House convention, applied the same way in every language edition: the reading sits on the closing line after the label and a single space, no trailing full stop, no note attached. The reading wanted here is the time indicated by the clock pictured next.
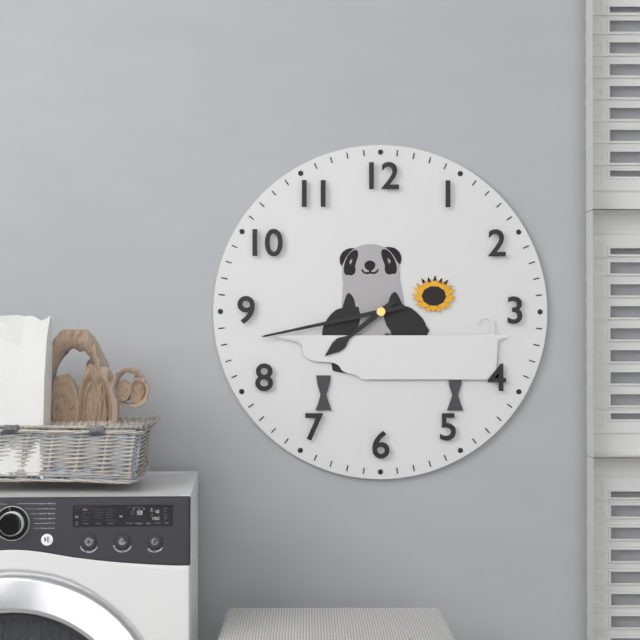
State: 7:43
